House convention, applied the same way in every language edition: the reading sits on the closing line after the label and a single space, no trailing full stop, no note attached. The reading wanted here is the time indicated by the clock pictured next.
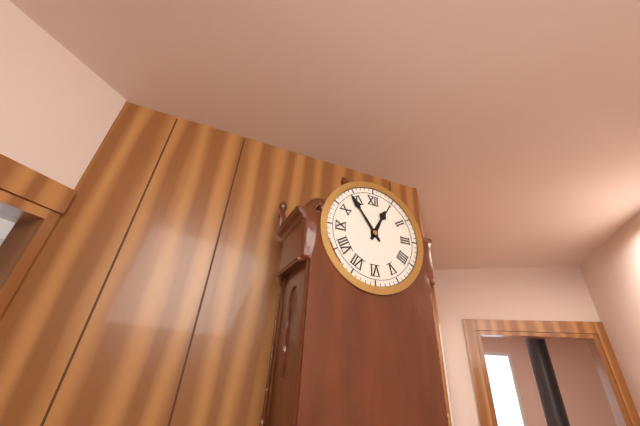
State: 12:54
